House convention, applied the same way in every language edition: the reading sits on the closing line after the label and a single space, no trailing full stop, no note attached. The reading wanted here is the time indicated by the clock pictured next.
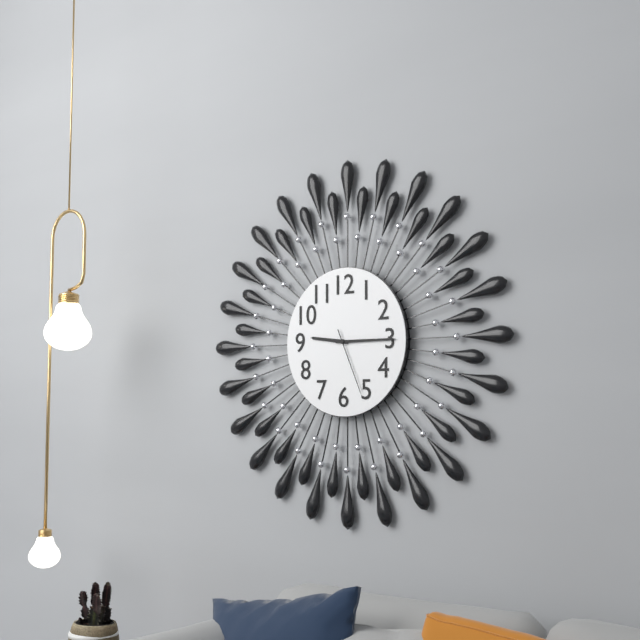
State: 9:15:26
